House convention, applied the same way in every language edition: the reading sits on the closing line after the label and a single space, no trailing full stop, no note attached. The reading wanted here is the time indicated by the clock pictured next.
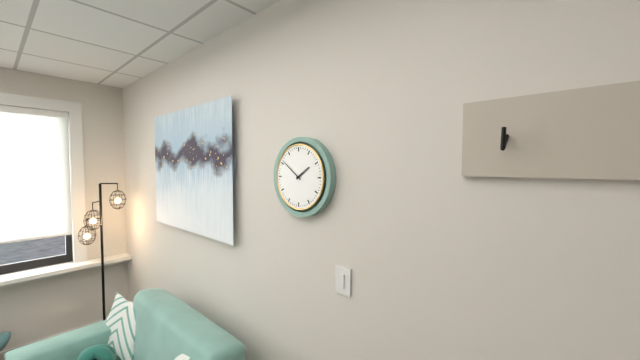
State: 1:51
